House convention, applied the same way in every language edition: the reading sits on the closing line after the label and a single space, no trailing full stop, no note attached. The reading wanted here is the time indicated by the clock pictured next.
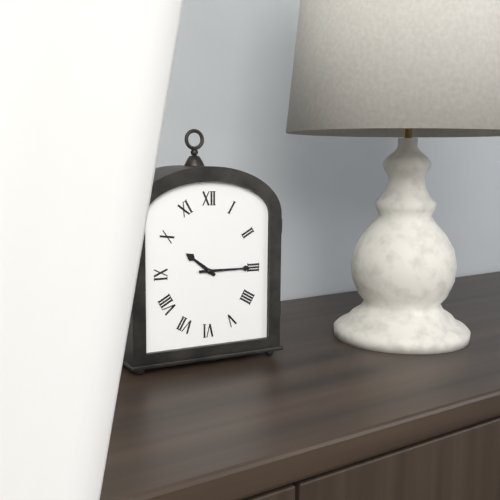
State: 10:15
